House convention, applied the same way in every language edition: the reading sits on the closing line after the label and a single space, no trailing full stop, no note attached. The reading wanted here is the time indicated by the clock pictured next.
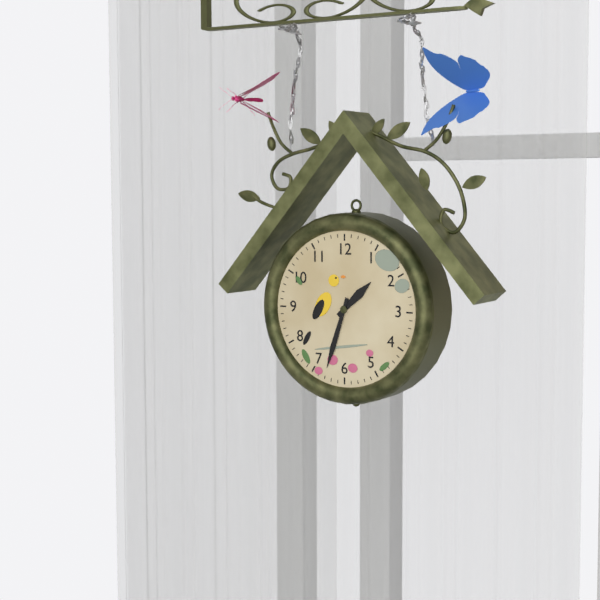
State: 1:33
